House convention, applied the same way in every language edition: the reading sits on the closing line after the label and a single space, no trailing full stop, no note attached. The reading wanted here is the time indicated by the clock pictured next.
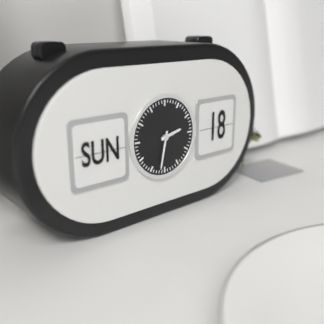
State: 2:32
